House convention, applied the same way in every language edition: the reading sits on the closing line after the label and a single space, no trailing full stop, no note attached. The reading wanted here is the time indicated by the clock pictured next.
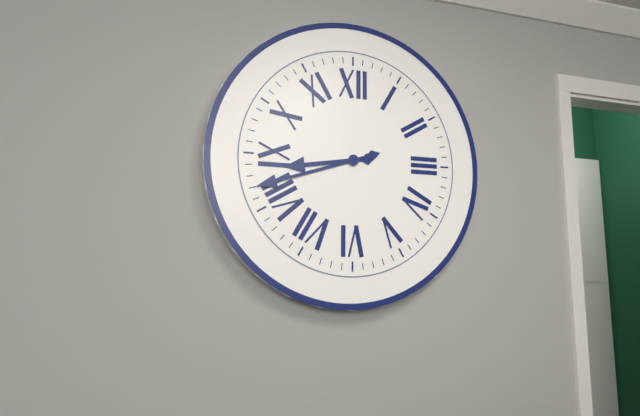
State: 8:42
